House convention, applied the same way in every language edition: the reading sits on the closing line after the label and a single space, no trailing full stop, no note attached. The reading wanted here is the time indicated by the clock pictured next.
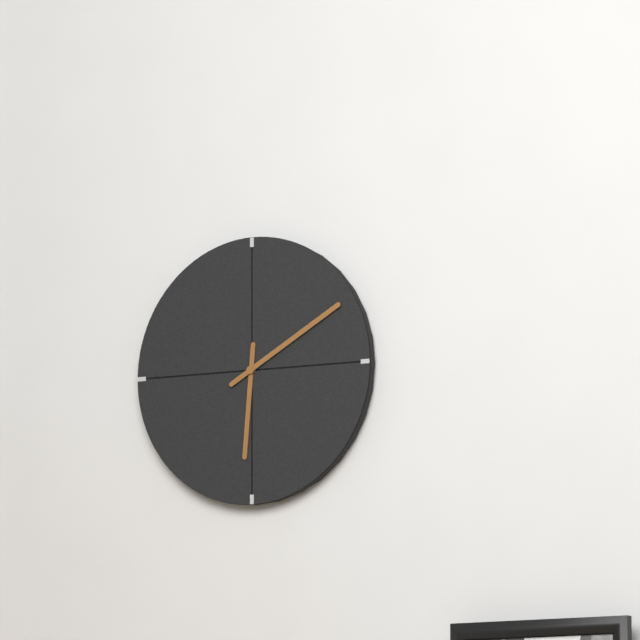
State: 6:10
